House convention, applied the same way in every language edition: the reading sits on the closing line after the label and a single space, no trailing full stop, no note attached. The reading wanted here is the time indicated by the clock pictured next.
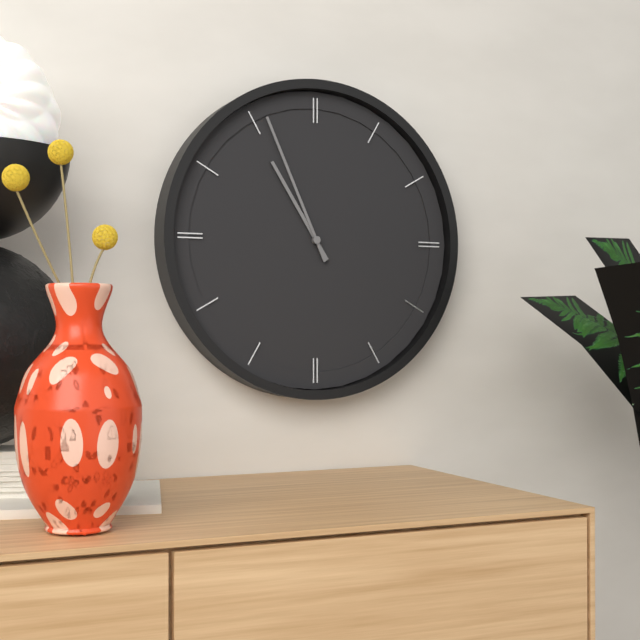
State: 10:56
